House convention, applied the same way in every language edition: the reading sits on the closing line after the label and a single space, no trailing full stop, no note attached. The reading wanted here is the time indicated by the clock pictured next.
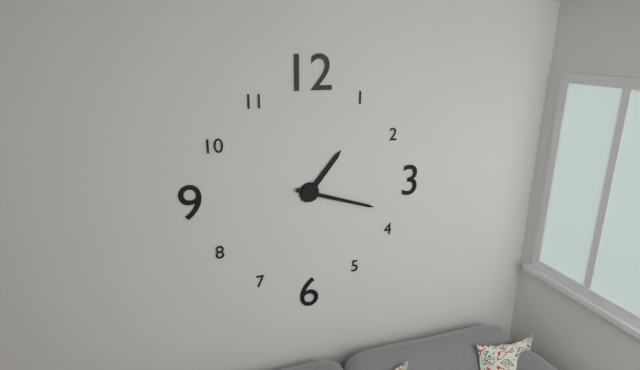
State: 1:18
